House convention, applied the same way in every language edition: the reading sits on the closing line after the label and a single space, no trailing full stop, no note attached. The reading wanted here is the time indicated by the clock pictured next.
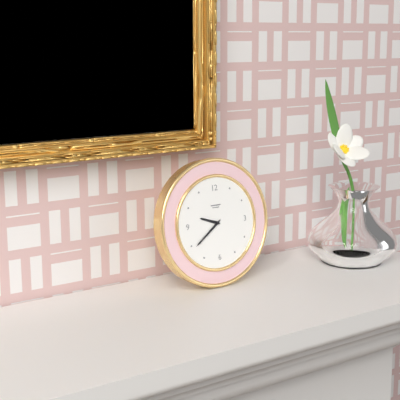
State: 9:39
